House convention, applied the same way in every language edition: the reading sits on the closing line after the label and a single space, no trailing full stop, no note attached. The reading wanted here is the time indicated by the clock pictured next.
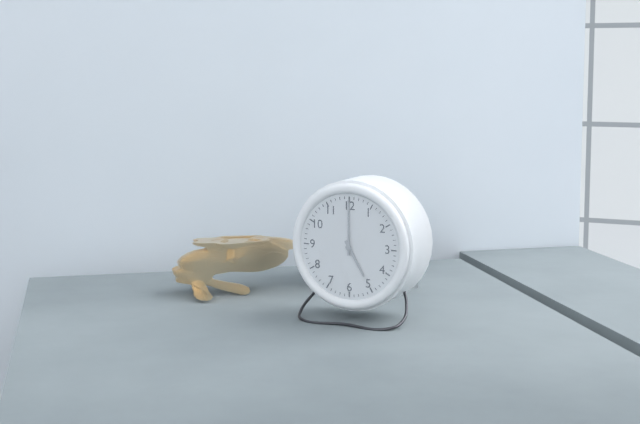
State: 5:00
